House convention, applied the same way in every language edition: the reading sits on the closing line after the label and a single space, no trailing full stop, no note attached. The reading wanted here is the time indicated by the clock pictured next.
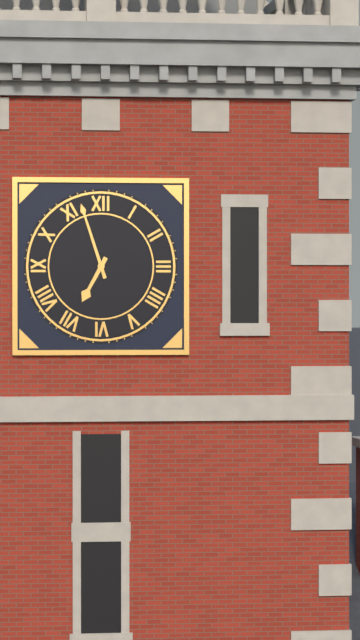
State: 6:57
